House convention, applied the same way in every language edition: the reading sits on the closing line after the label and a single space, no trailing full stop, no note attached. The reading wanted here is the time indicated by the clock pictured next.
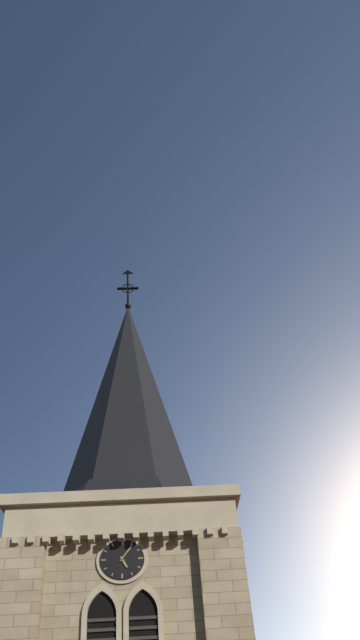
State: 5:06
